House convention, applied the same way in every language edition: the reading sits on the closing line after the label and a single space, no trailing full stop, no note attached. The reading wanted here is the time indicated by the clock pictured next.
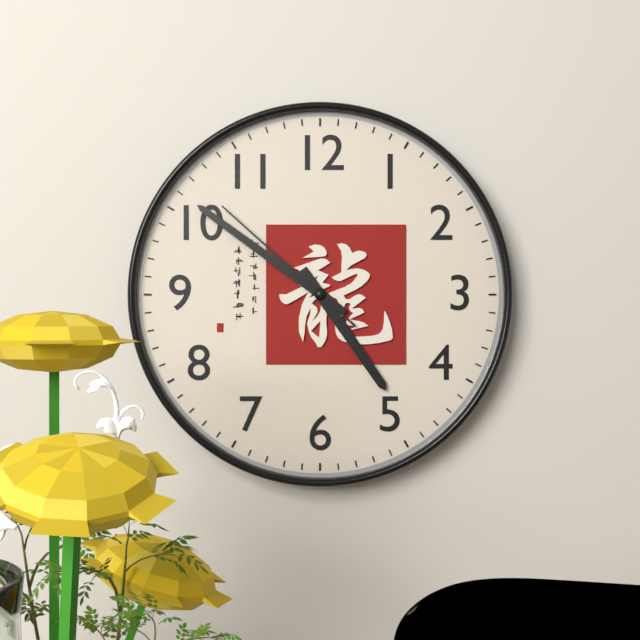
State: 4:51:52
